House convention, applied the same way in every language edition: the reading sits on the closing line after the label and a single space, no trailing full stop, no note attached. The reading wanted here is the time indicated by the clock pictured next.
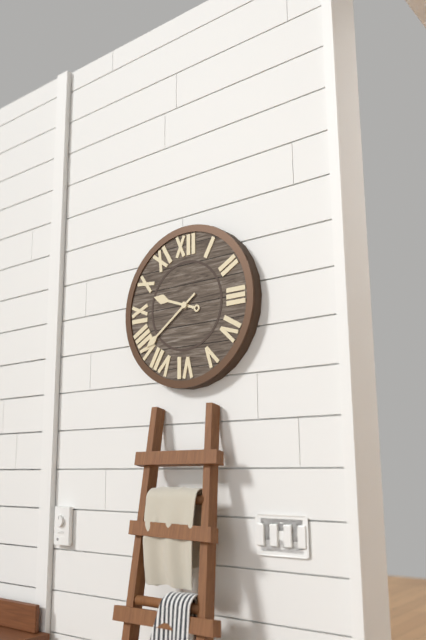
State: 9:39
